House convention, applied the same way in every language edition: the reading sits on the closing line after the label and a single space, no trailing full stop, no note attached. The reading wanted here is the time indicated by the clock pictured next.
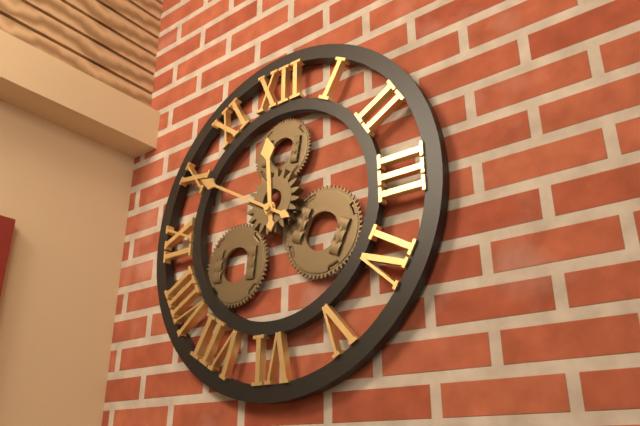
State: 11:50
